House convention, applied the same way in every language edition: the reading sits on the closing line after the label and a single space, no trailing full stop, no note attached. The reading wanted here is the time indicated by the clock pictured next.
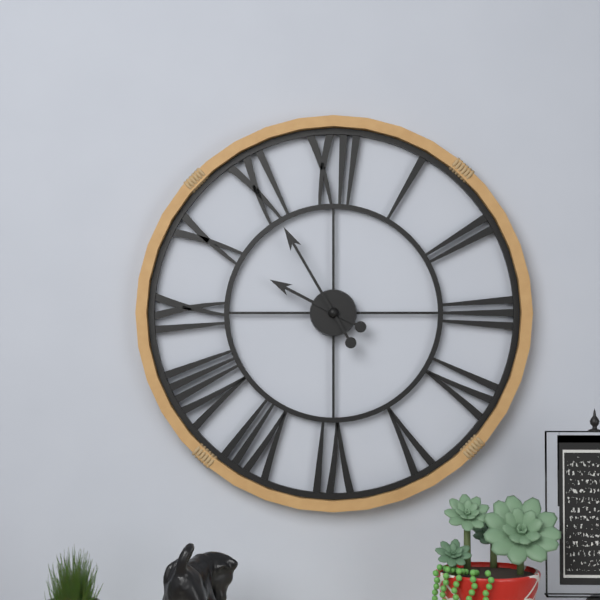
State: 9:55
